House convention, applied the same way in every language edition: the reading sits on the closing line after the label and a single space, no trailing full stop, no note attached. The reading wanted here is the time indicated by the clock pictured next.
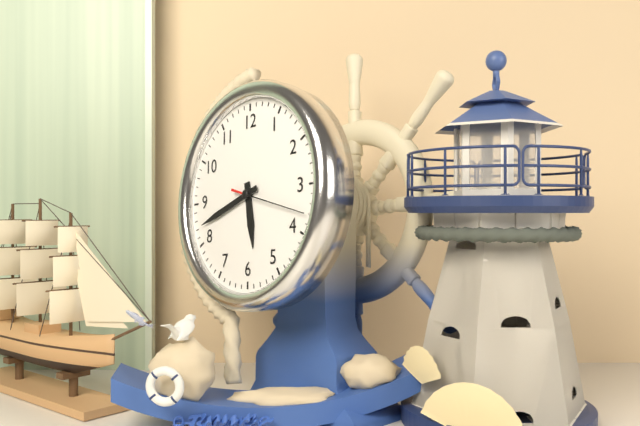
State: 5:42:18
